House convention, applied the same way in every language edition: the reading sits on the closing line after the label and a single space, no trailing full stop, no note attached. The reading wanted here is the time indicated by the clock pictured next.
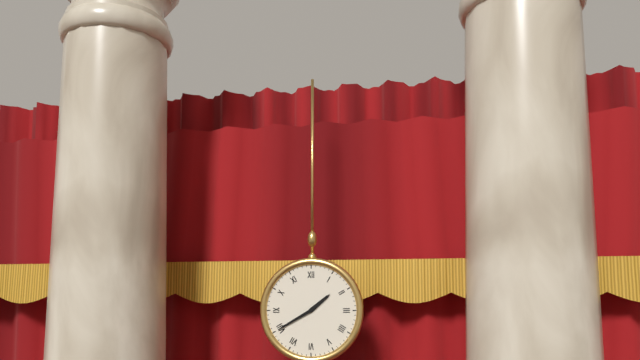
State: 1:40
